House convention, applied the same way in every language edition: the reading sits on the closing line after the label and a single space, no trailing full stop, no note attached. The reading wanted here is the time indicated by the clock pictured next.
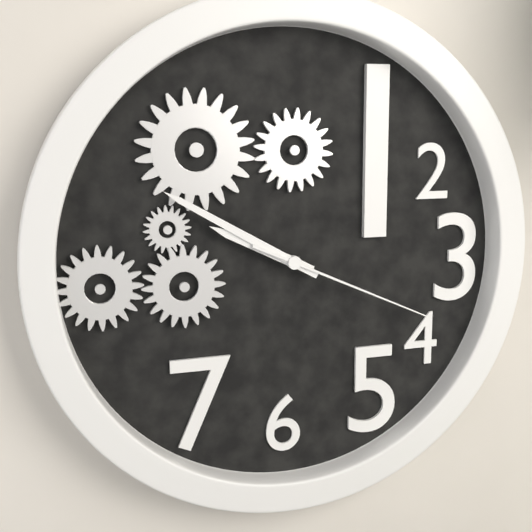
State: 9:50:19
